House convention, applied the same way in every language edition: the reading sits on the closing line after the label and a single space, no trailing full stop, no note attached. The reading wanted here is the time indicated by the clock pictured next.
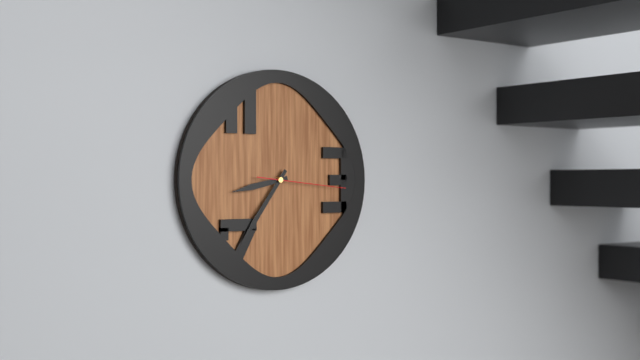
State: 8:36:16
